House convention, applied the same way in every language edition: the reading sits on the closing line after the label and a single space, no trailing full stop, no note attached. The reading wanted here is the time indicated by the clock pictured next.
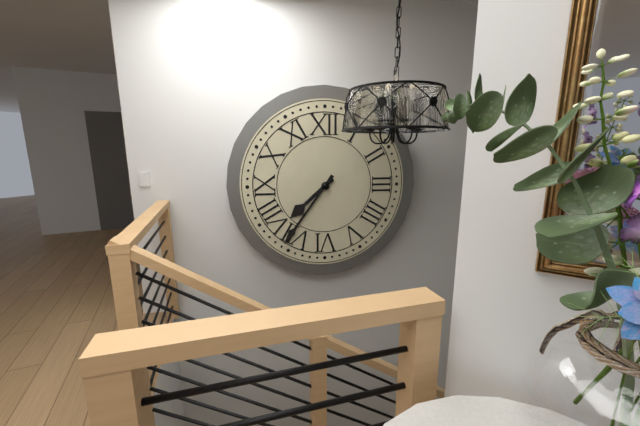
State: 7:36
